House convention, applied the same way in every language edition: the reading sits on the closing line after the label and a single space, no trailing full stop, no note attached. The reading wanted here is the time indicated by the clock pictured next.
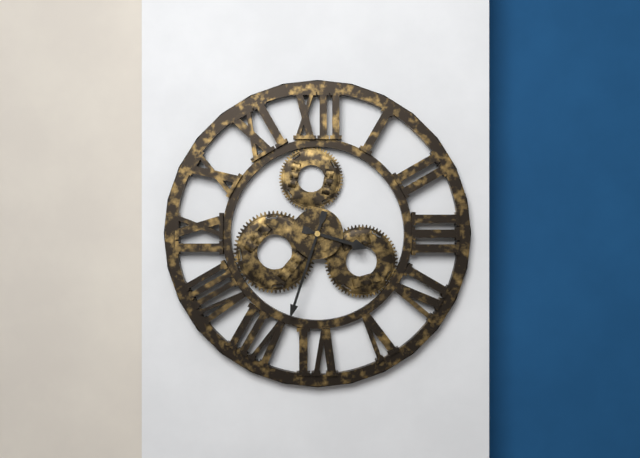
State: 3:33
